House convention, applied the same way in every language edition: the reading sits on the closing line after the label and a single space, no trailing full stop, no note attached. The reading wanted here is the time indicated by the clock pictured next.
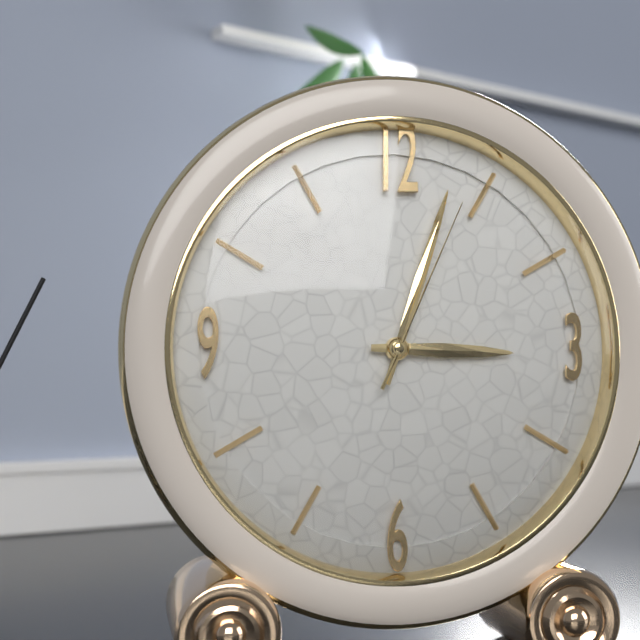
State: 3:03:04
